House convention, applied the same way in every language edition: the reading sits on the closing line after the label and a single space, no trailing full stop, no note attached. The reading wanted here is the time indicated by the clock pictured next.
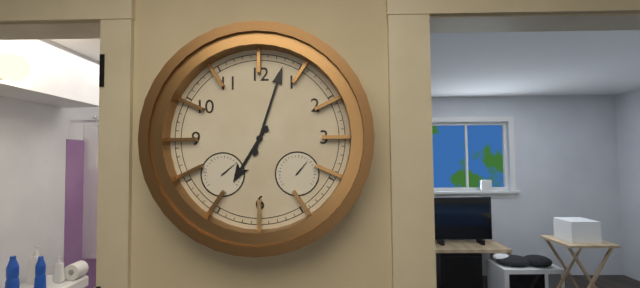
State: 7:03
